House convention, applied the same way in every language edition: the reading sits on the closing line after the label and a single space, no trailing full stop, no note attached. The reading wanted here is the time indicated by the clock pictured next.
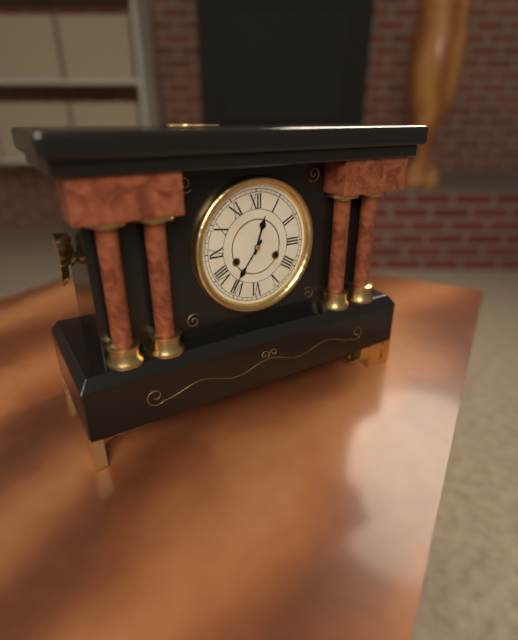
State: 12:36
